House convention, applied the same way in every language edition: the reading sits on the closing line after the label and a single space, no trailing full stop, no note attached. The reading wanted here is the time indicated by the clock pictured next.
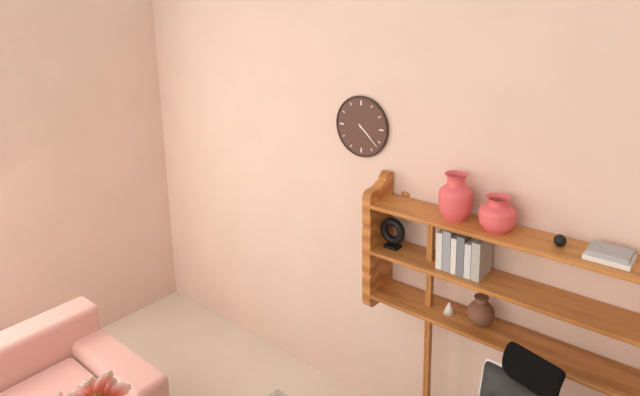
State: 4:22
